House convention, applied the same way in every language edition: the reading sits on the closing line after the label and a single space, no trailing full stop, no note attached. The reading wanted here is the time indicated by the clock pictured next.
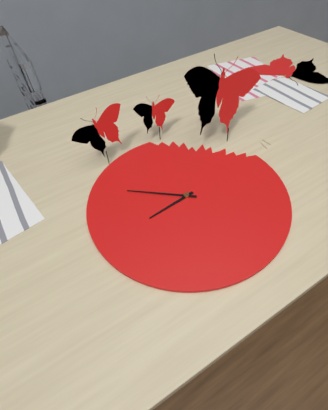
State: 8:52
